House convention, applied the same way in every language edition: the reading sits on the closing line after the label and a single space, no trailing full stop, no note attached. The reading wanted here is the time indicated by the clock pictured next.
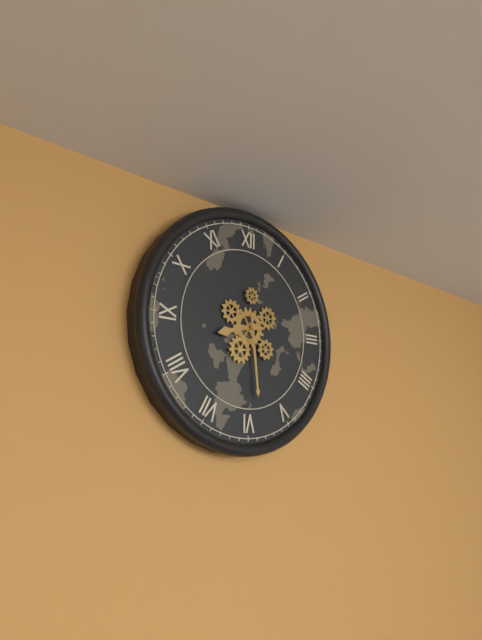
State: 8:29
